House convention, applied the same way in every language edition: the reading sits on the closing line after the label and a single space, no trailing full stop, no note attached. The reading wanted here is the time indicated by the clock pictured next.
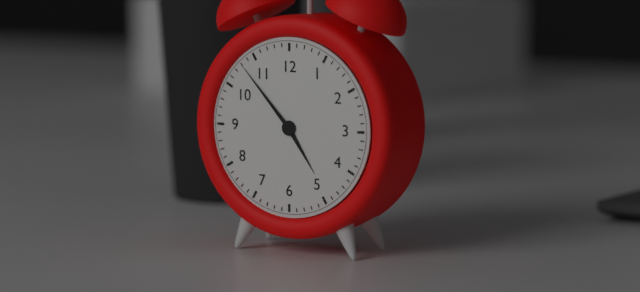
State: 4:53
